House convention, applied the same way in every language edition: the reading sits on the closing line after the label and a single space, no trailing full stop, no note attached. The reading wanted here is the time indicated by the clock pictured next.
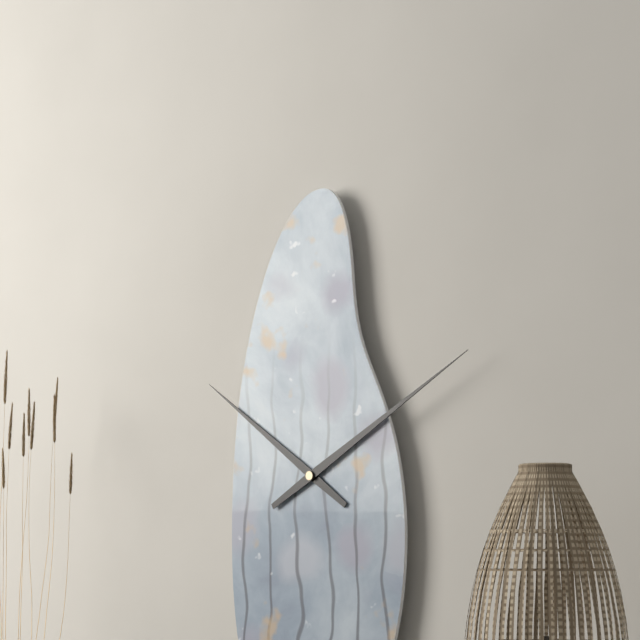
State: 10:10
